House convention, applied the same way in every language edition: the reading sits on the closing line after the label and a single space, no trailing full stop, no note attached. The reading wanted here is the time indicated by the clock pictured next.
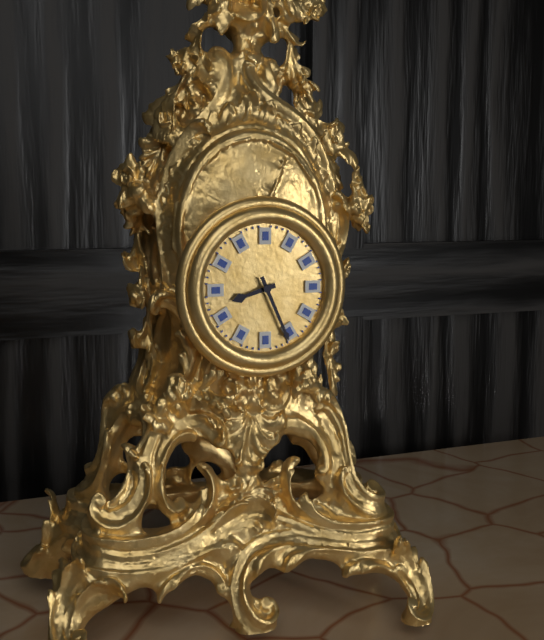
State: 8:26
